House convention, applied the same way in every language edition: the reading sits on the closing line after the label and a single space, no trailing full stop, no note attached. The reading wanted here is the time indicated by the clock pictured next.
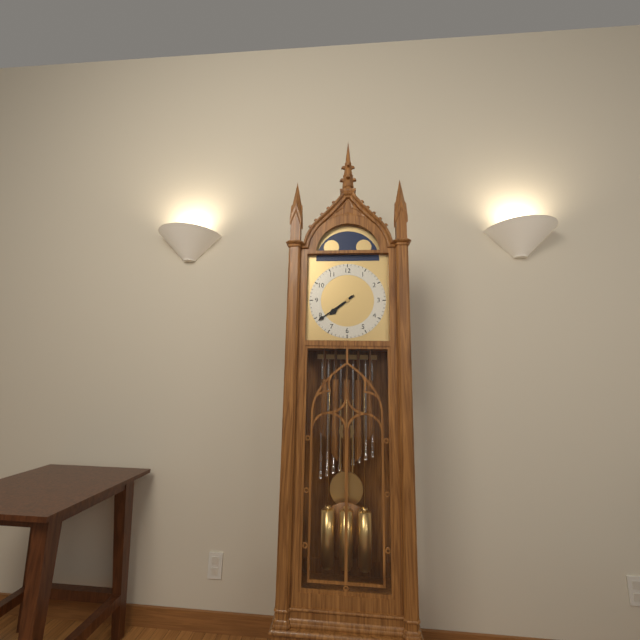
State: 7:39
